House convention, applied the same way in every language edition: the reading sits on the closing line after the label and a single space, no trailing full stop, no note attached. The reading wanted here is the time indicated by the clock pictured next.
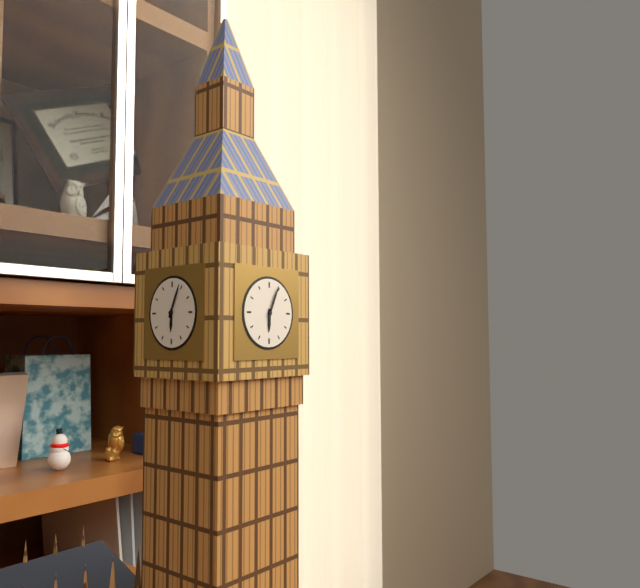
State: 6:04
